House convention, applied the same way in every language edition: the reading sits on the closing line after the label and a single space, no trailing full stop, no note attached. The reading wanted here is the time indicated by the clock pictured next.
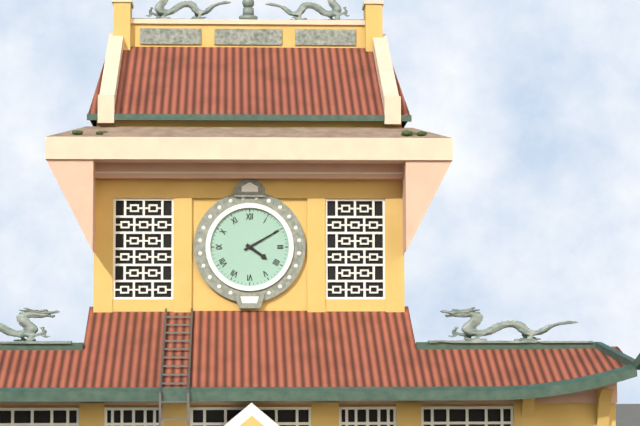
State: 4:10
